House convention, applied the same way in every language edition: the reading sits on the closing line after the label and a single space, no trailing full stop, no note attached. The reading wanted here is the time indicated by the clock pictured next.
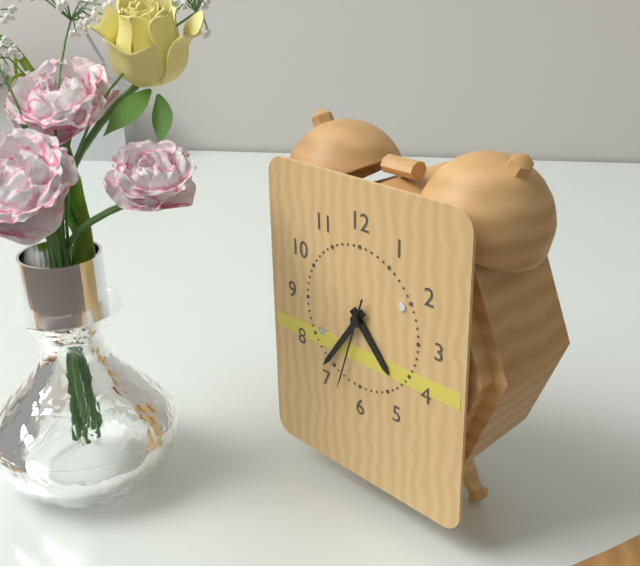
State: 4:36:33
